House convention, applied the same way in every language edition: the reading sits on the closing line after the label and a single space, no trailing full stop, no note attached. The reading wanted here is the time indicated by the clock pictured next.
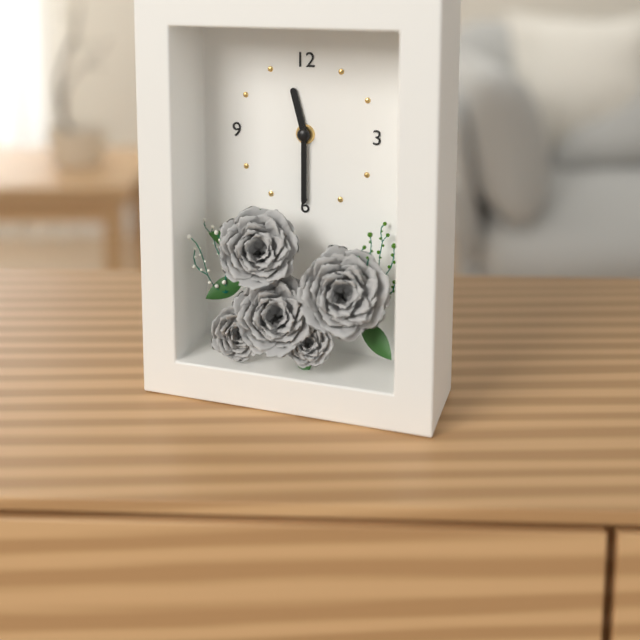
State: 11:30
